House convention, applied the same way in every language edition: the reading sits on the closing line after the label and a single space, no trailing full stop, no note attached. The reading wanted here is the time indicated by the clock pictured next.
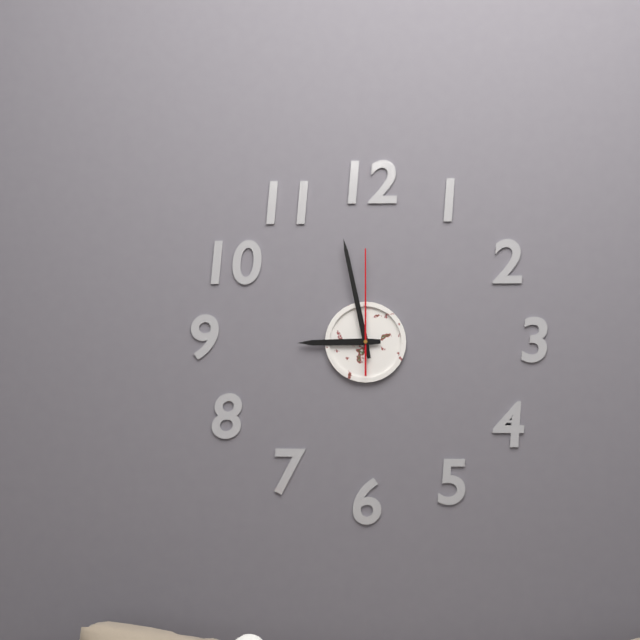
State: 8:58:00
